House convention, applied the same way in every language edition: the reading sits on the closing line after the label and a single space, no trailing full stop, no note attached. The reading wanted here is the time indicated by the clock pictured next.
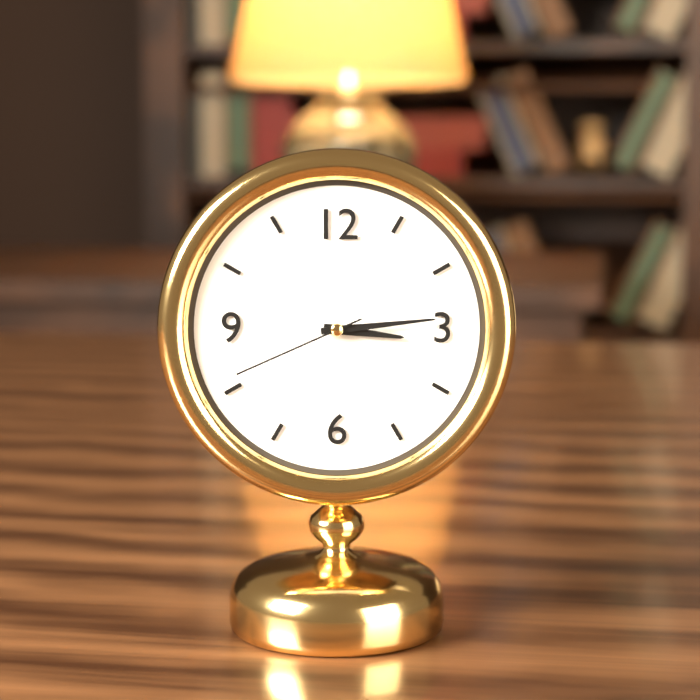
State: 3:14:41
